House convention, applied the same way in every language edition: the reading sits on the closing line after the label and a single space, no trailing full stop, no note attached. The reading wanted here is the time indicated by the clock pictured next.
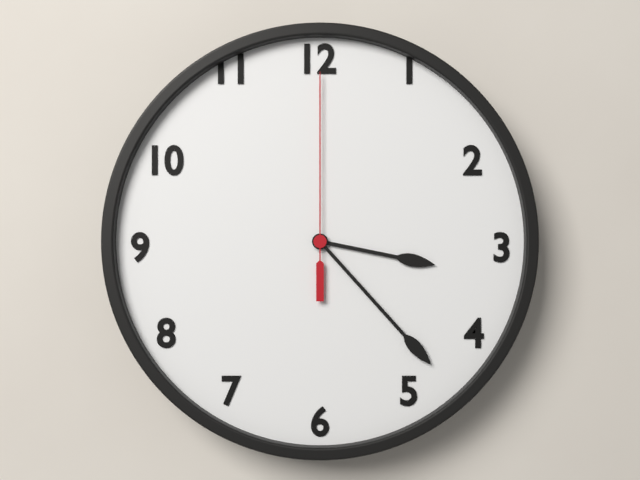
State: 3:23:00
